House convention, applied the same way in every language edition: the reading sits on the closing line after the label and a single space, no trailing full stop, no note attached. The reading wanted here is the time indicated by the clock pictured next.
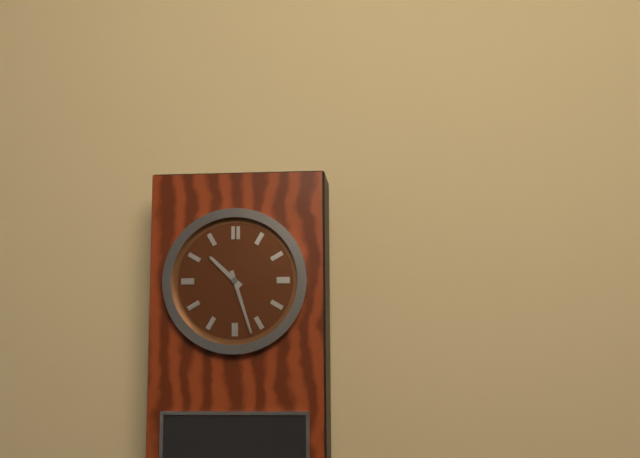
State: 10:27
